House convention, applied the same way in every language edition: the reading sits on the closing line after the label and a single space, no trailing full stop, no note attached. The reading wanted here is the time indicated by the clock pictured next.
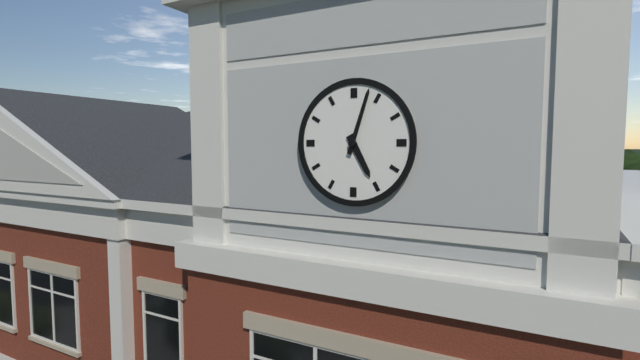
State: 5:03
